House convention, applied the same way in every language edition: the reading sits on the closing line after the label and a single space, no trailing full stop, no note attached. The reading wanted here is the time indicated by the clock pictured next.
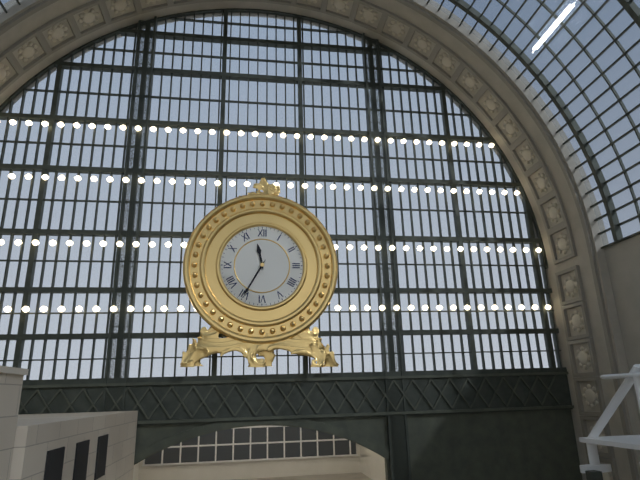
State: 11:35
